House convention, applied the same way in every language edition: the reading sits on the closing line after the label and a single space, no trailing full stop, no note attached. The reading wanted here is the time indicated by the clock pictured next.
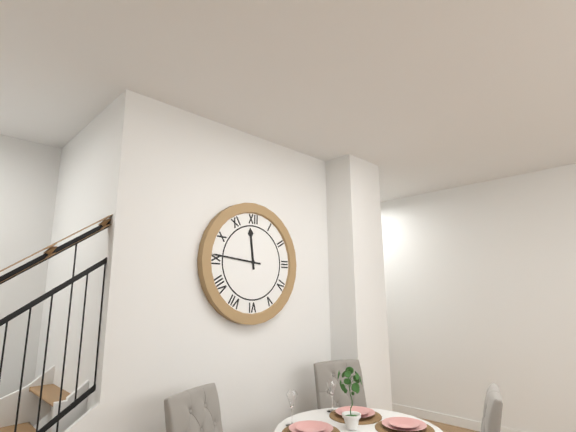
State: 11:46
